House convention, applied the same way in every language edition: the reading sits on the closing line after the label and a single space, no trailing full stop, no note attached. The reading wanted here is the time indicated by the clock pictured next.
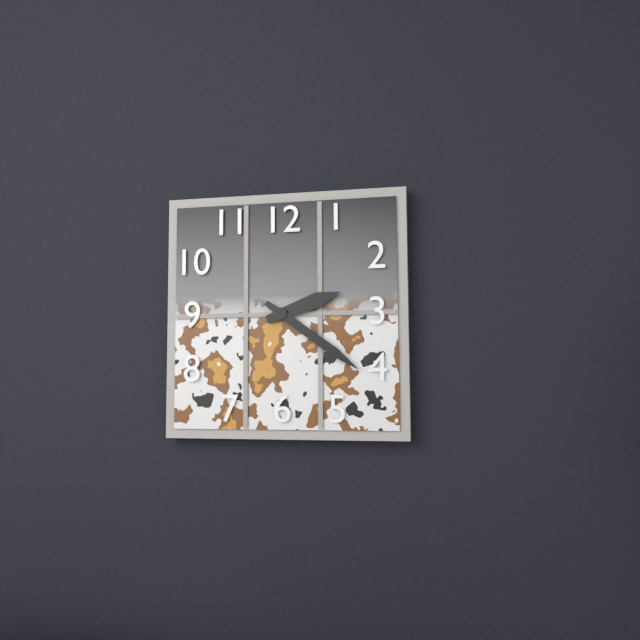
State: 2:21
